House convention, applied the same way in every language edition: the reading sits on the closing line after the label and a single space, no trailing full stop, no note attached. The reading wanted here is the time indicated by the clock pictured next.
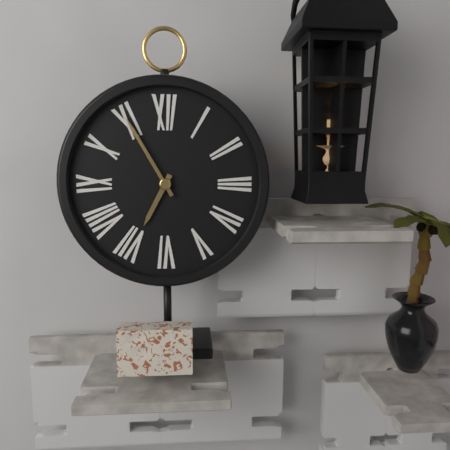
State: 6:55
